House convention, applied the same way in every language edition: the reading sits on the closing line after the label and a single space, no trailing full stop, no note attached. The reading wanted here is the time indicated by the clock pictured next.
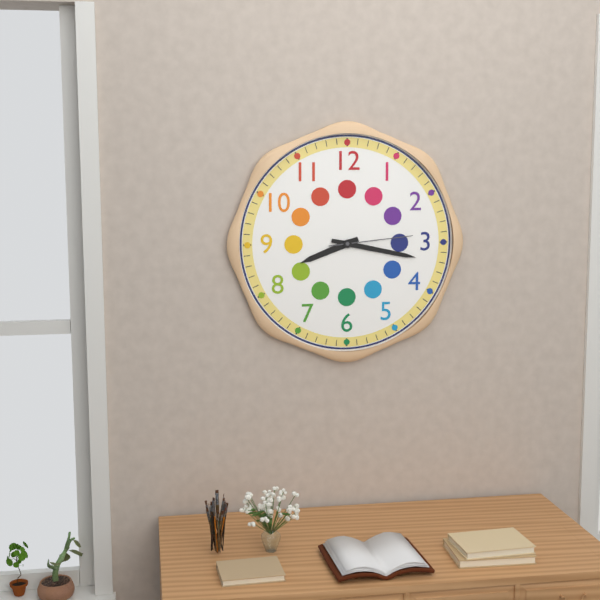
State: 8:17:14
